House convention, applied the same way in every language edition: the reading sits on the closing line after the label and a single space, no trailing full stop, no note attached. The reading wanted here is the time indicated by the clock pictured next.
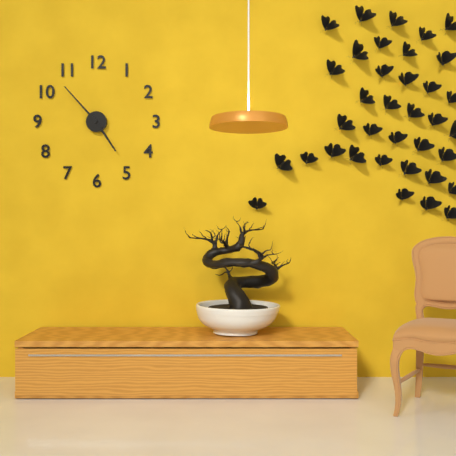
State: 4:53
